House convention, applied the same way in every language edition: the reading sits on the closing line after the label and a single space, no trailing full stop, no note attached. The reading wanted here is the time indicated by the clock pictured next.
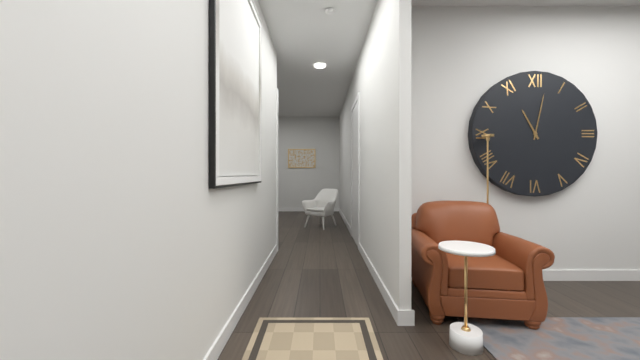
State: 11:02
